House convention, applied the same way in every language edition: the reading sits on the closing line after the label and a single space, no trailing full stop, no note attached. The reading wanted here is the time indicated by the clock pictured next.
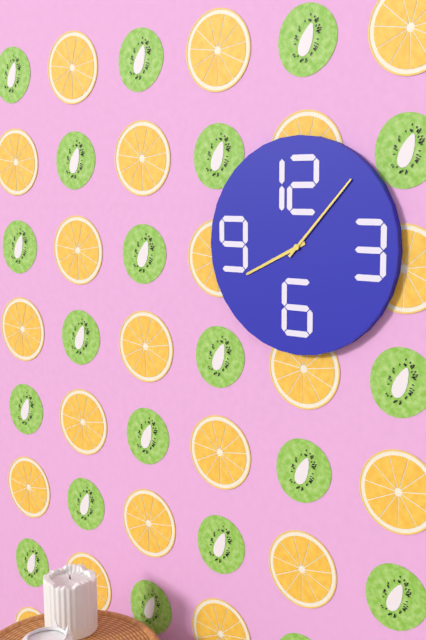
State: 8:07
